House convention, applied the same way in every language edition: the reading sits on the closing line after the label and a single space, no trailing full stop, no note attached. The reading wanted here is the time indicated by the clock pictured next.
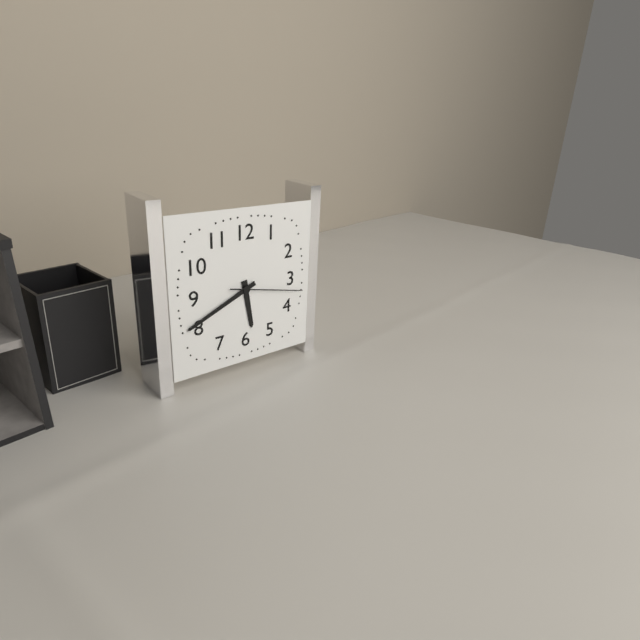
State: 5:41:17
